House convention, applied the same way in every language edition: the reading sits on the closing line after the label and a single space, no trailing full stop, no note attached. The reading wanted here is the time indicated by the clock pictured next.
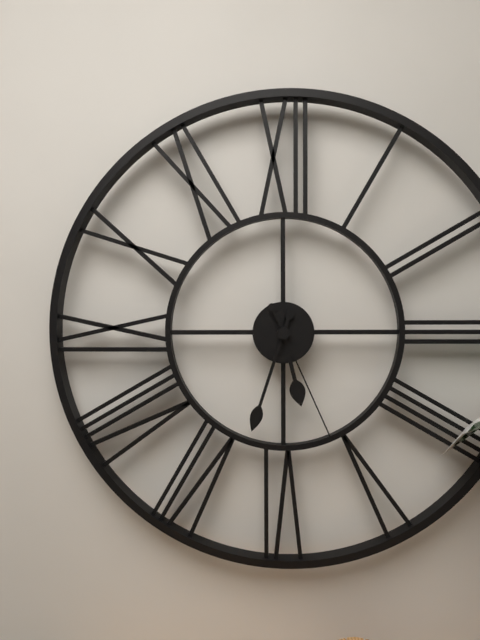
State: 5:33:26
